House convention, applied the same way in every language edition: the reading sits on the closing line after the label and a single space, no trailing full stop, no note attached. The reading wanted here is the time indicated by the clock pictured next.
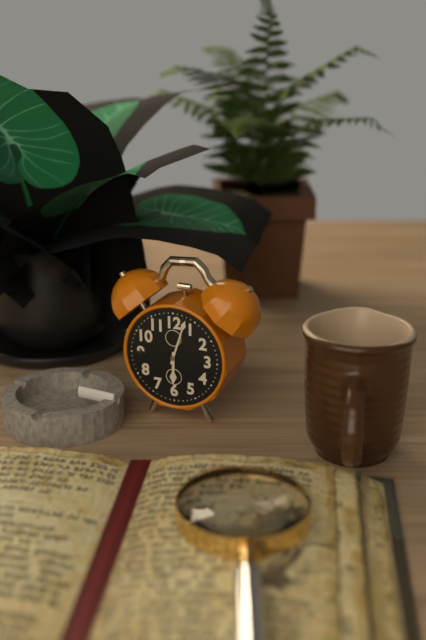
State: 6:03
